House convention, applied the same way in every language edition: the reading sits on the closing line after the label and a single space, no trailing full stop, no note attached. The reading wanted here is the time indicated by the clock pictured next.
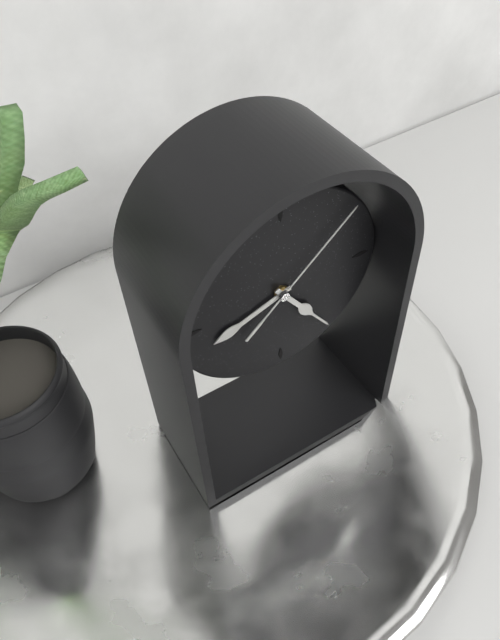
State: 8:24:08
